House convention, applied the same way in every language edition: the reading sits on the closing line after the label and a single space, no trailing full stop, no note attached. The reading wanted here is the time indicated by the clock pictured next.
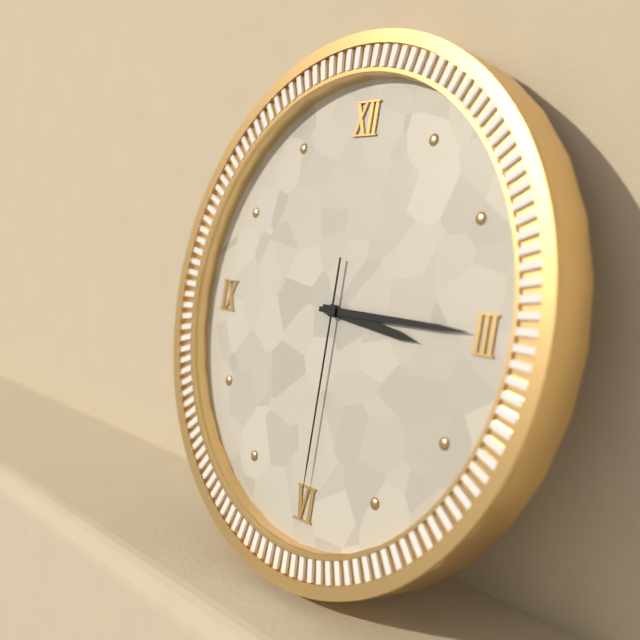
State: 3:15:30
